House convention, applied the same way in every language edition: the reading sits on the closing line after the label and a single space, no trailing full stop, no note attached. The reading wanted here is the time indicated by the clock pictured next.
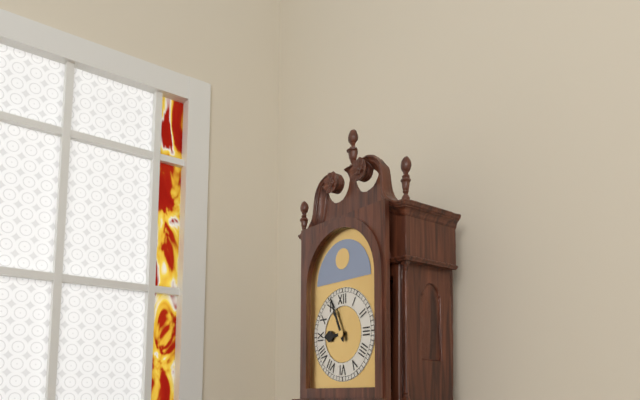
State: 8:56
